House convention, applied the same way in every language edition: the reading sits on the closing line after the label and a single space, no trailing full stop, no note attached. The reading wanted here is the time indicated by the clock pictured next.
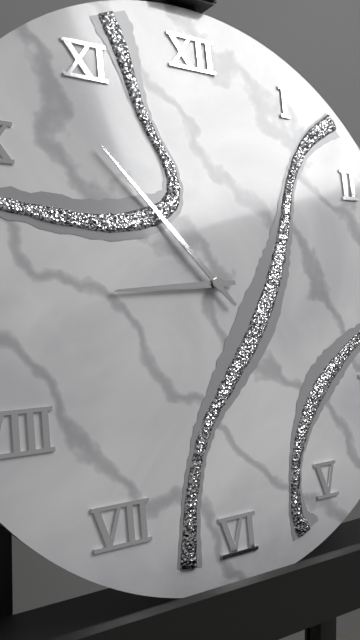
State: 8:53
